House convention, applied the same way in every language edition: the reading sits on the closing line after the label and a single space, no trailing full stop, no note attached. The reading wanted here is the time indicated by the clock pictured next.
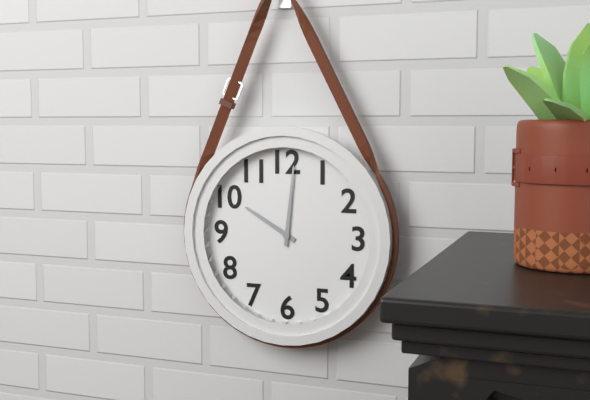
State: 10:01
